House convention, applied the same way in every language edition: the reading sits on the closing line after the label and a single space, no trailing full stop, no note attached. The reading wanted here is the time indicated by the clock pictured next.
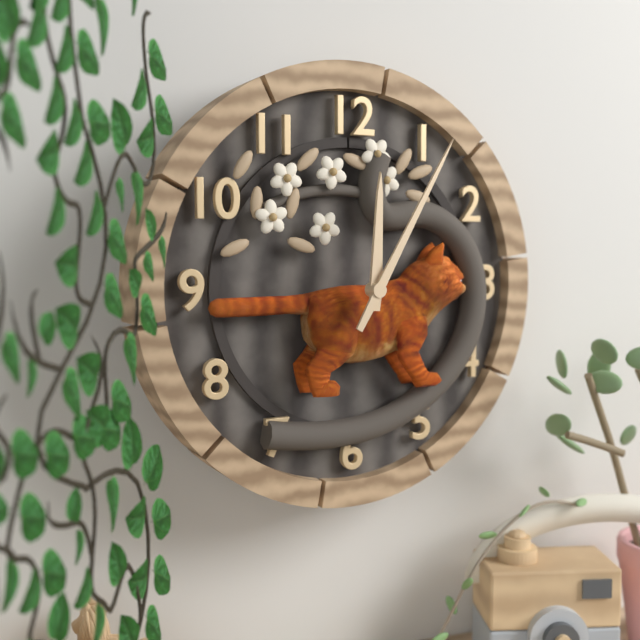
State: 12:05
